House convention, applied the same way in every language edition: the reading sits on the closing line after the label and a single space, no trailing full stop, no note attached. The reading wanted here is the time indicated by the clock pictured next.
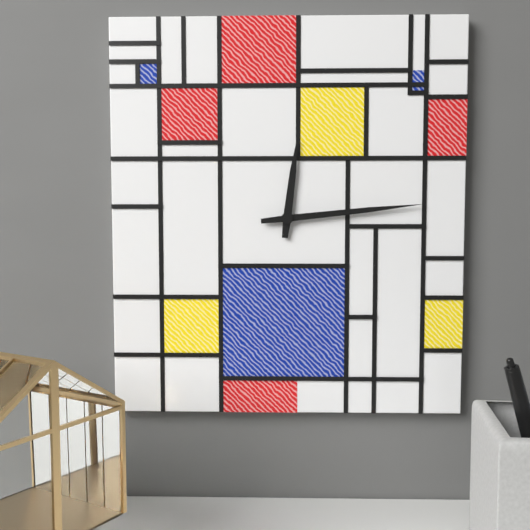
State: 12:14
